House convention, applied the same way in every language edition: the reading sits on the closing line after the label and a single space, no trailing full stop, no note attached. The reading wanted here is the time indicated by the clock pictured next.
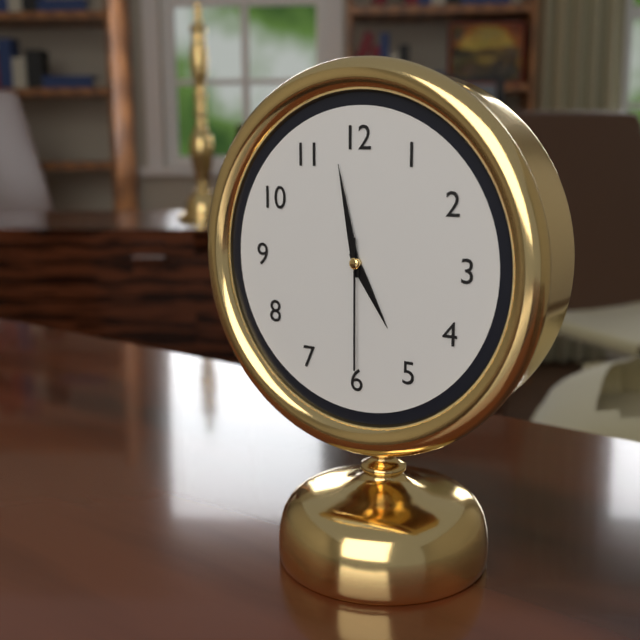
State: 4:58:30
